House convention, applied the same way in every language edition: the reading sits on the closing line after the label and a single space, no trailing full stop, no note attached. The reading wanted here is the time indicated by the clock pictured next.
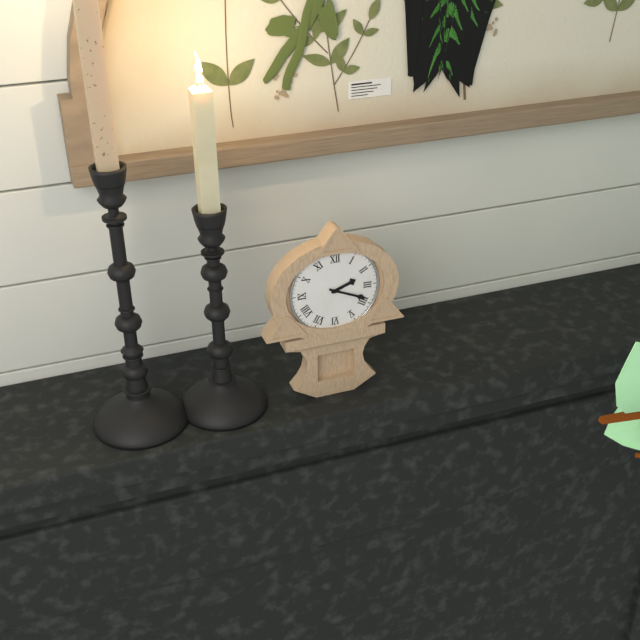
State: 2:19
